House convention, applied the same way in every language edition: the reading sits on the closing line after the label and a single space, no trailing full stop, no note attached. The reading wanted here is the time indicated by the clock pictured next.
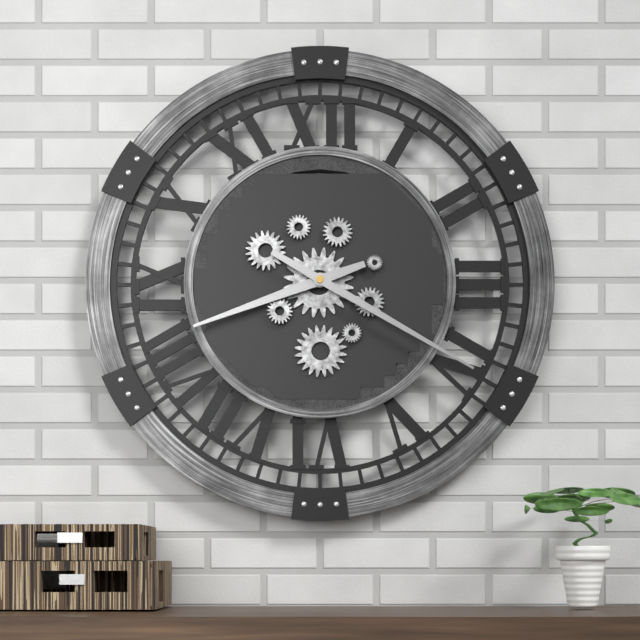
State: 8:20
